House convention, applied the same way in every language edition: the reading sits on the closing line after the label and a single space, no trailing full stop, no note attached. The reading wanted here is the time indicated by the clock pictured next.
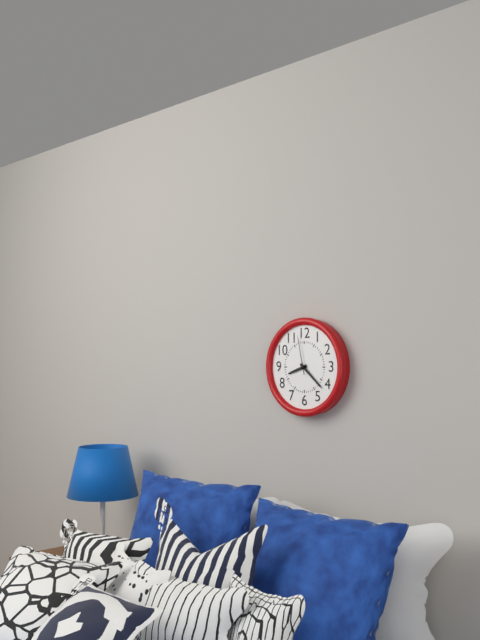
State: 8:22
